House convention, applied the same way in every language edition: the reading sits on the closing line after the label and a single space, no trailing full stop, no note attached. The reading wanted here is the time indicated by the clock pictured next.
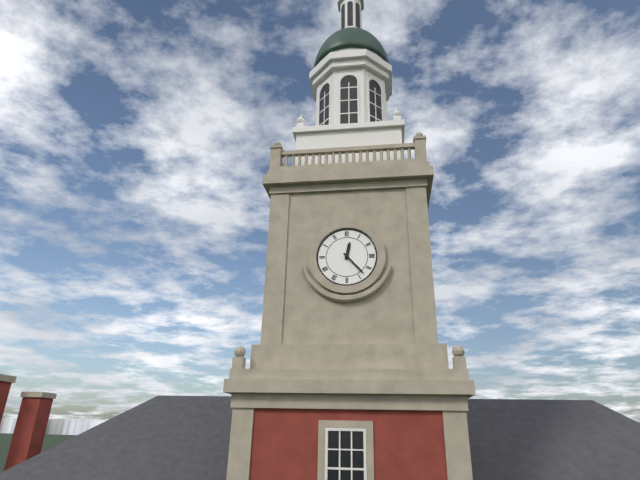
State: 12:23
